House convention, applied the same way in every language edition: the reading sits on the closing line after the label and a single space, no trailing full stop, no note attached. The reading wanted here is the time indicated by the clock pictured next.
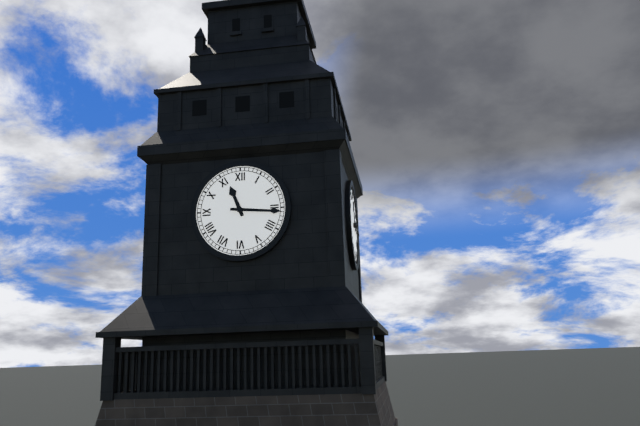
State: 11:16
